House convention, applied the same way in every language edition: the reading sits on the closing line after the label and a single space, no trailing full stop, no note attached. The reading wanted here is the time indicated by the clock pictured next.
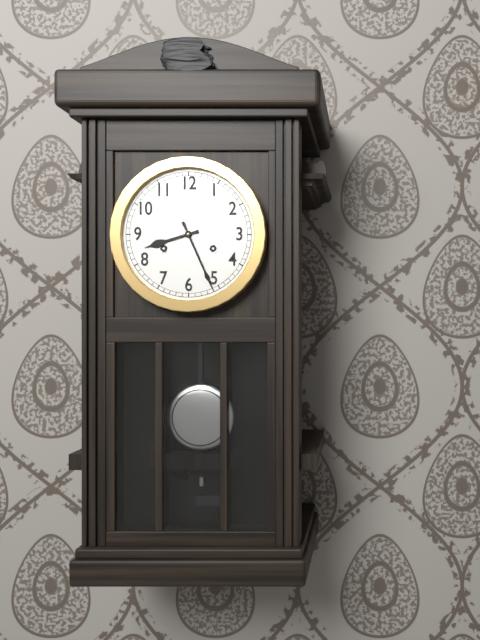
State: 8:26
